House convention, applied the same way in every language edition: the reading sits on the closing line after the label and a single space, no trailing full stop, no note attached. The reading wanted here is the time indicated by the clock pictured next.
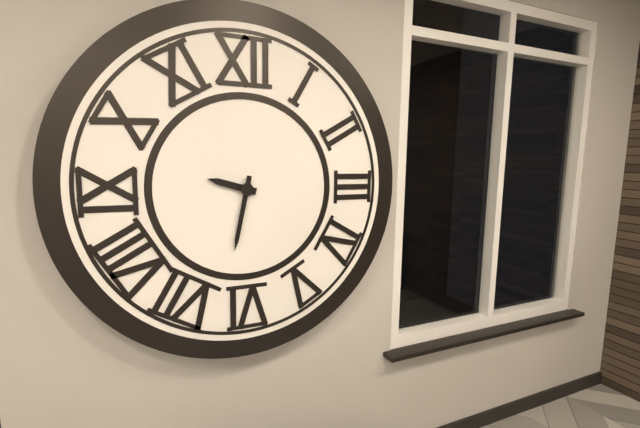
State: 9:32
